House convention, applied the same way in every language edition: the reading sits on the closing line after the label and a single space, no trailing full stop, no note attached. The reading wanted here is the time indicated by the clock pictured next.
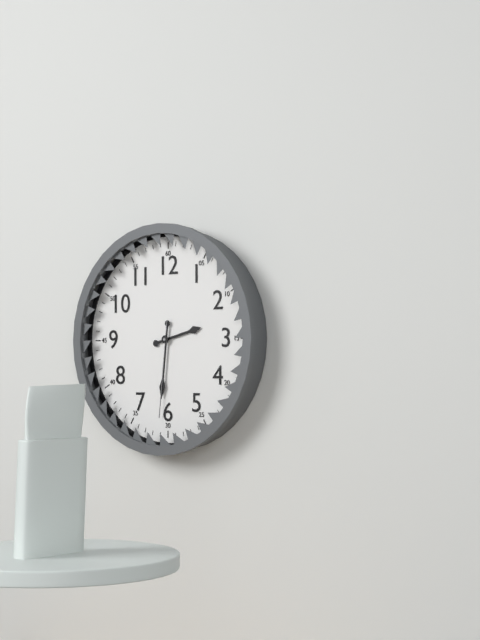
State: 2:31:31
